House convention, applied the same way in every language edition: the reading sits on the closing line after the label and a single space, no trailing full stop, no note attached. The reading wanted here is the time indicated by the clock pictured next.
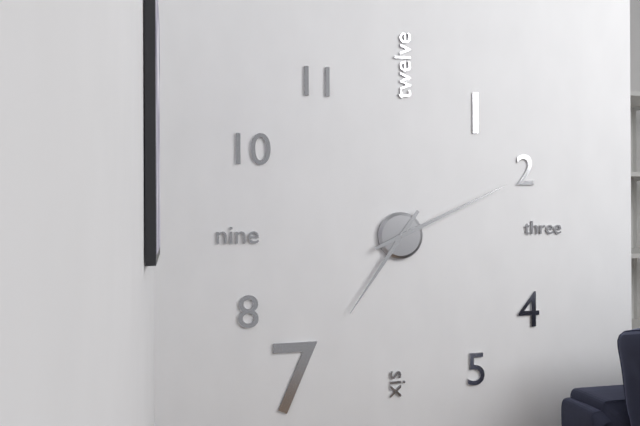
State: 7:11
